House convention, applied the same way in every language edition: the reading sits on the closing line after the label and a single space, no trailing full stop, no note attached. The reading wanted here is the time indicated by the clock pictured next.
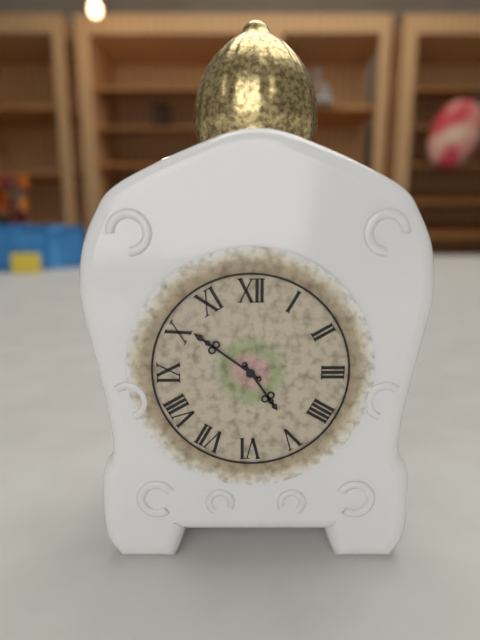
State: 4:51
